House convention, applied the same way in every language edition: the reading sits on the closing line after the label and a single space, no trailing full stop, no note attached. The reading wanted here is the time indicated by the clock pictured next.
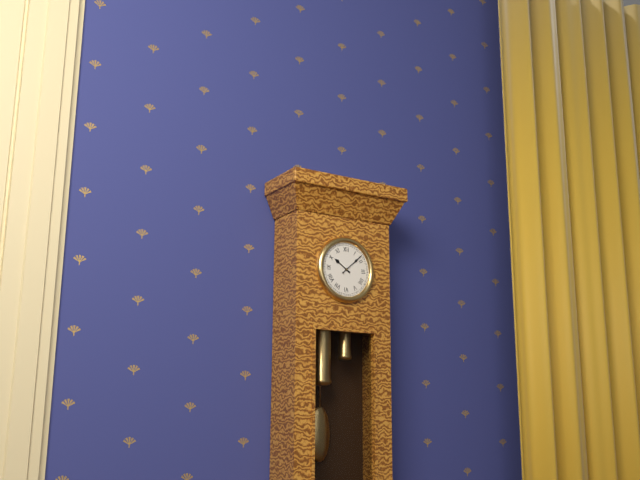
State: 10:08
